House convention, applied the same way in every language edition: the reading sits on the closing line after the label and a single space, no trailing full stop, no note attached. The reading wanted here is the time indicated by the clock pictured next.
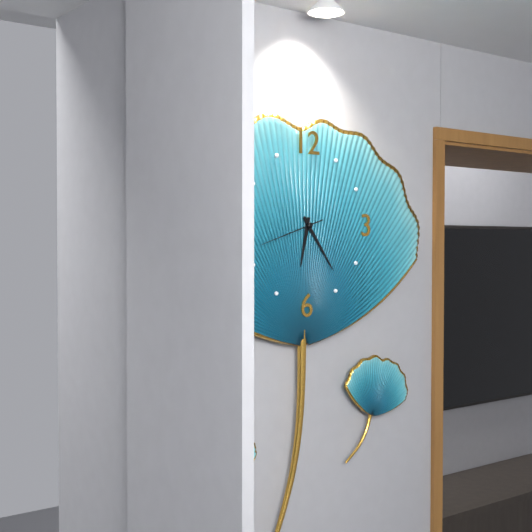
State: 6:24:42
